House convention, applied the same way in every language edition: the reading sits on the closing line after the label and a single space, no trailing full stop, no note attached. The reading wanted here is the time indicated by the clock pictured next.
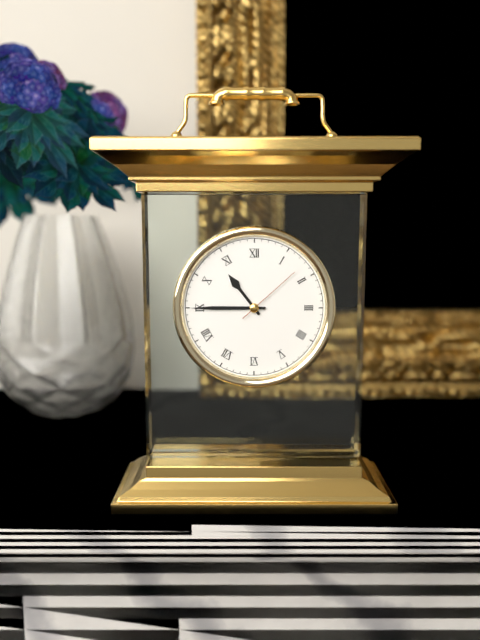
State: 10:45:08
